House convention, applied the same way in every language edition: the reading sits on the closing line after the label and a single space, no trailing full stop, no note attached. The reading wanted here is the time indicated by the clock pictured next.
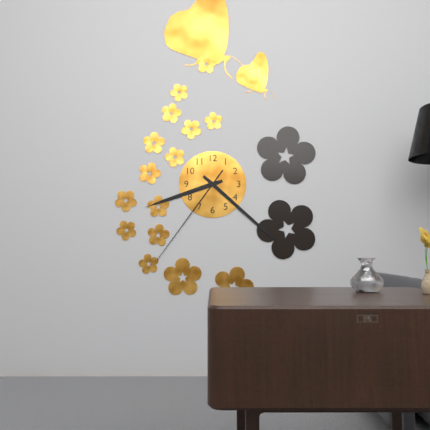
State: 8:22:36
